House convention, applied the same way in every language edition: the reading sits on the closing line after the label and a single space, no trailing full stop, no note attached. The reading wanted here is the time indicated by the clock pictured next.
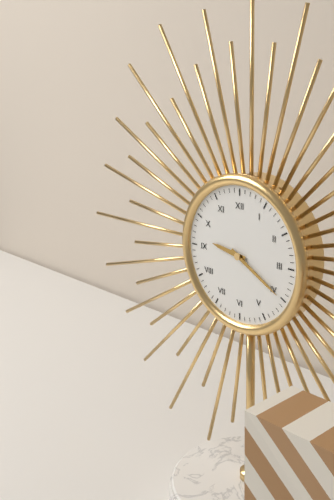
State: 9:20
